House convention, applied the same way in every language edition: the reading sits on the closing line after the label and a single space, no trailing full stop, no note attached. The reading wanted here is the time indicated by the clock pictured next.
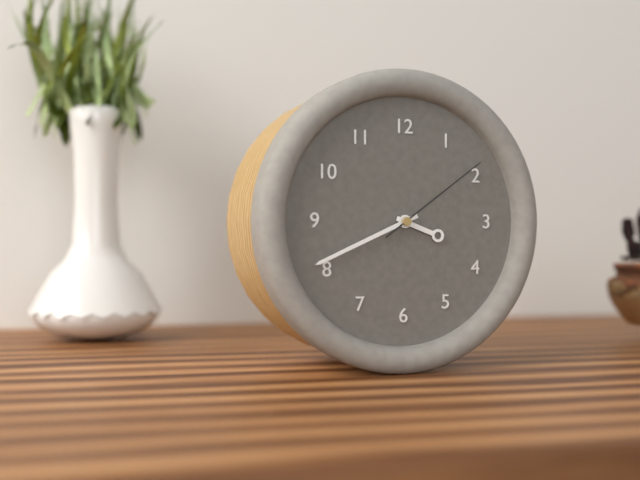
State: 3:41:09
